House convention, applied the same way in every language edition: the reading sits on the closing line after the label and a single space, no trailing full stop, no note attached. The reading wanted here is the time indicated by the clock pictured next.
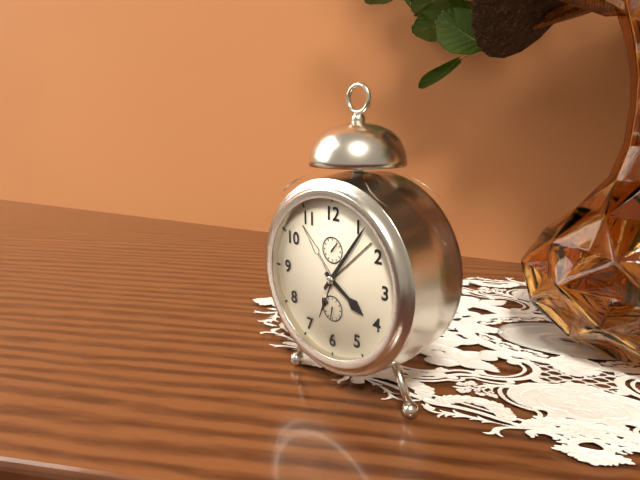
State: 4:06
